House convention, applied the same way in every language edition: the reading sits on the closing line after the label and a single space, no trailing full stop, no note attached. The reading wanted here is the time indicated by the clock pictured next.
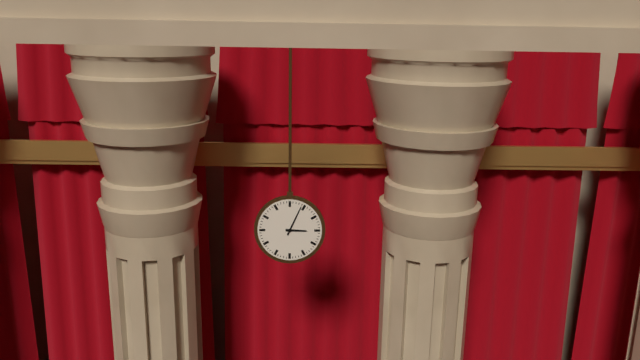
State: 3:04
